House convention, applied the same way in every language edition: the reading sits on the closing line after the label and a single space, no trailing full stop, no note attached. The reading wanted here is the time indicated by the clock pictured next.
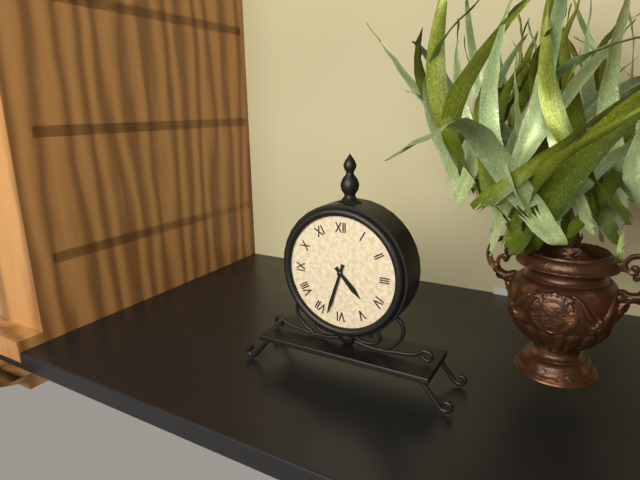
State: 4:33
